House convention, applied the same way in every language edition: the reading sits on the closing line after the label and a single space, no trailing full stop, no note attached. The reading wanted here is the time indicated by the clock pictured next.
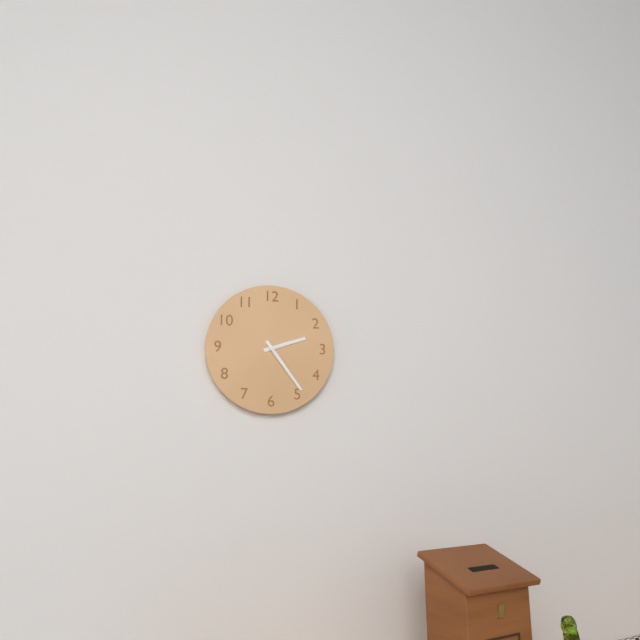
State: 2:24
